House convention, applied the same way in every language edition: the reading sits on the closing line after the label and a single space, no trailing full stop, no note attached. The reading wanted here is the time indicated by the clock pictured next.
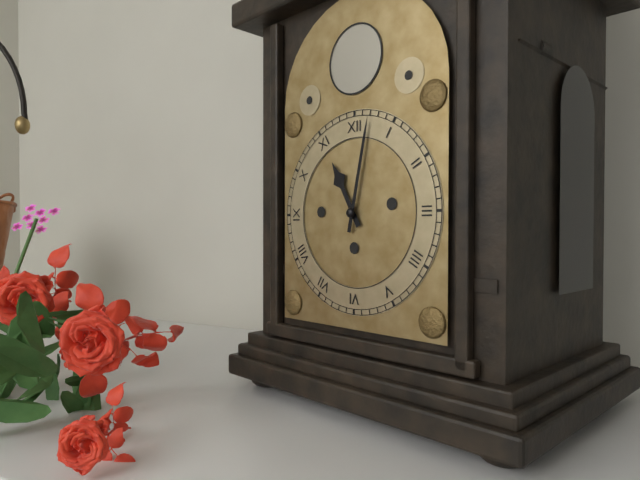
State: 11:02
